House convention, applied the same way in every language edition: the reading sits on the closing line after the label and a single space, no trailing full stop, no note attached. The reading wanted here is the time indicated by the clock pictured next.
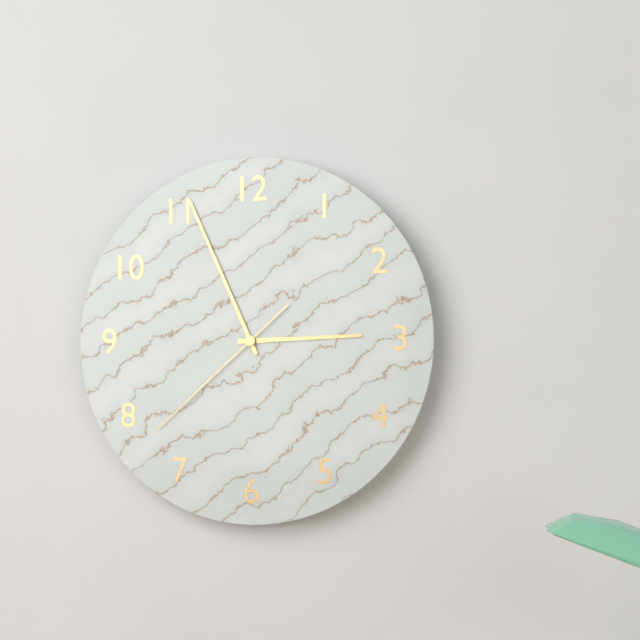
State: 2:56:38
